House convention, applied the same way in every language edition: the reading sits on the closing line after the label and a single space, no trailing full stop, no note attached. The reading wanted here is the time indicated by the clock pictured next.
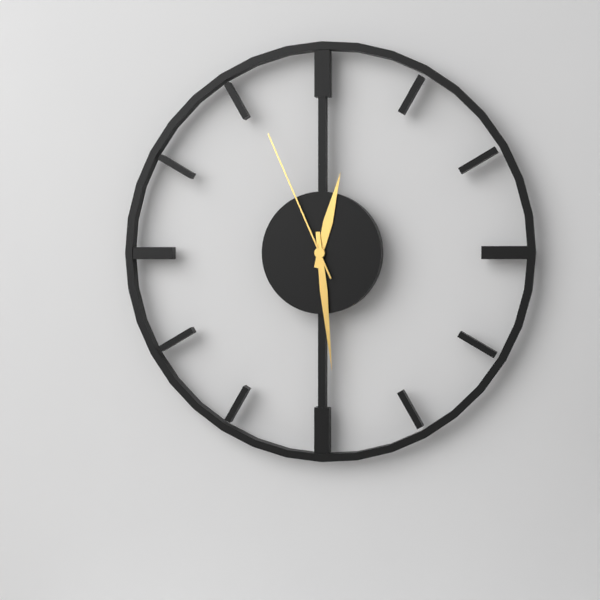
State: 12:29:56
